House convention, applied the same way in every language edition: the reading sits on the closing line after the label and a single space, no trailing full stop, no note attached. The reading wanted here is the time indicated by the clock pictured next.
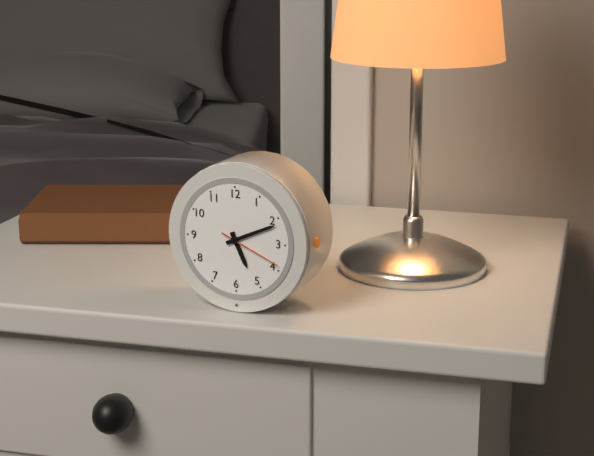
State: 5:11:19
